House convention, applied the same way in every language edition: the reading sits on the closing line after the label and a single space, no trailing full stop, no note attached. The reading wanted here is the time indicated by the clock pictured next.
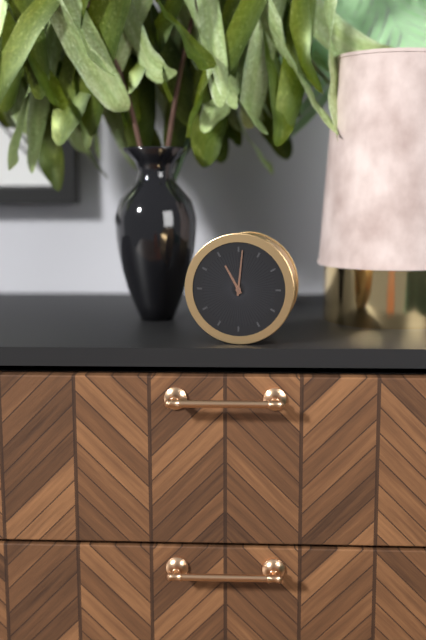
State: 11:01
